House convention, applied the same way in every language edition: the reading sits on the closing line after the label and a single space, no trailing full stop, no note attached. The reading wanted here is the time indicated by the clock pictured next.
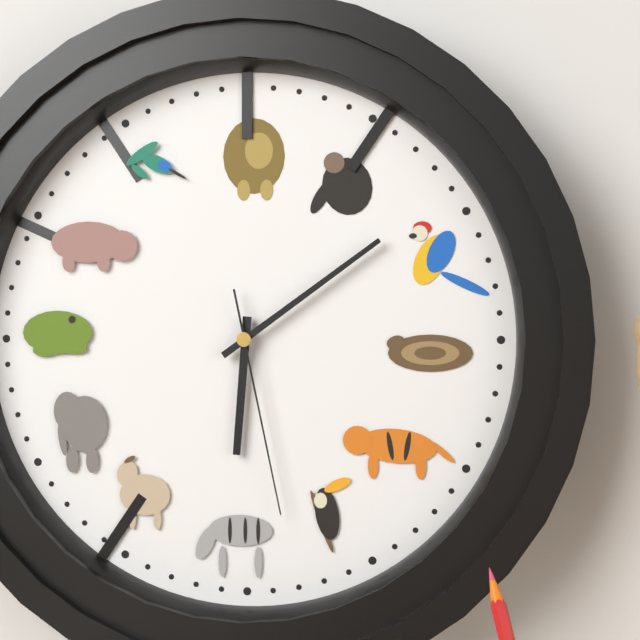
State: 6:09:28
